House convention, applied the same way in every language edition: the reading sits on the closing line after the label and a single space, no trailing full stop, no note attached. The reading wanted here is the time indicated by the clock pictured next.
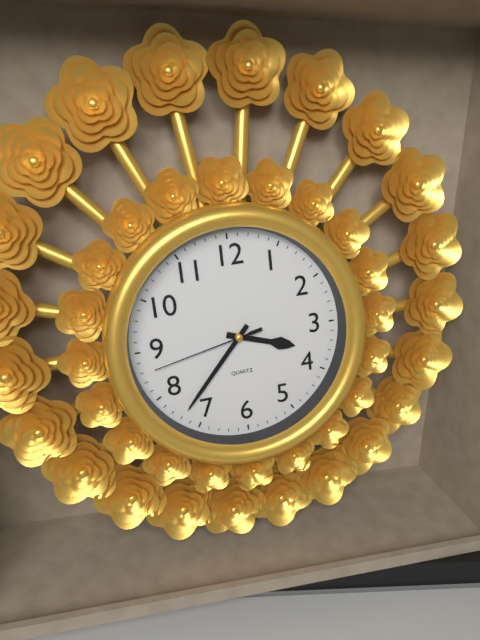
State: 3:37:43
